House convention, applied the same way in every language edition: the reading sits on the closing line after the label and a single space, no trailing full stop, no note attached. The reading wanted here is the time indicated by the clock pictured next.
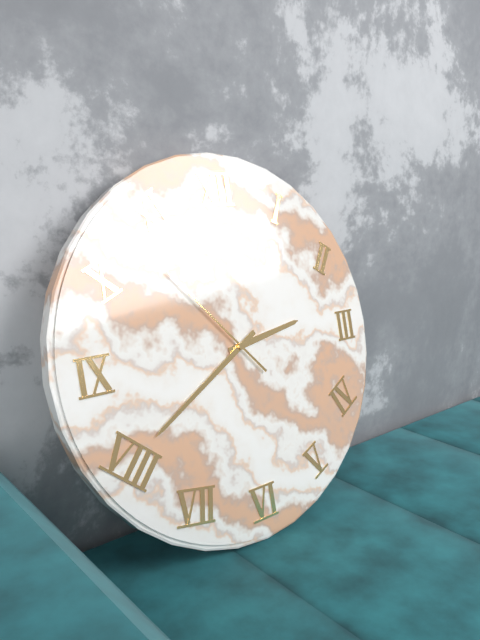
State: 2:40:53
